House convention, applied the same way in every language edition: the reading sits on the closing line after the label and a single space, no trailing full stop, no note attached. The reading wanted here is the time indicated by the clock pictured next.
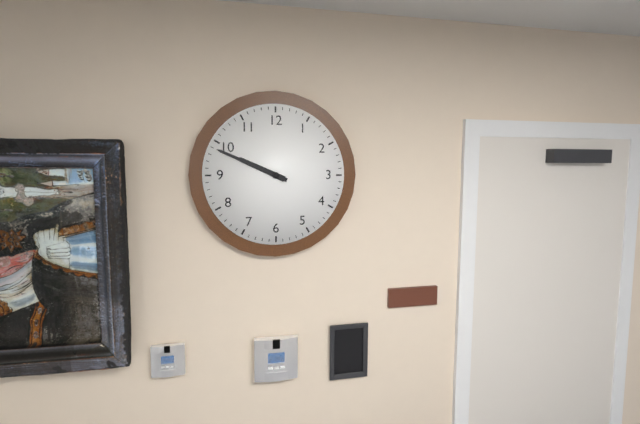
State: 9:49
